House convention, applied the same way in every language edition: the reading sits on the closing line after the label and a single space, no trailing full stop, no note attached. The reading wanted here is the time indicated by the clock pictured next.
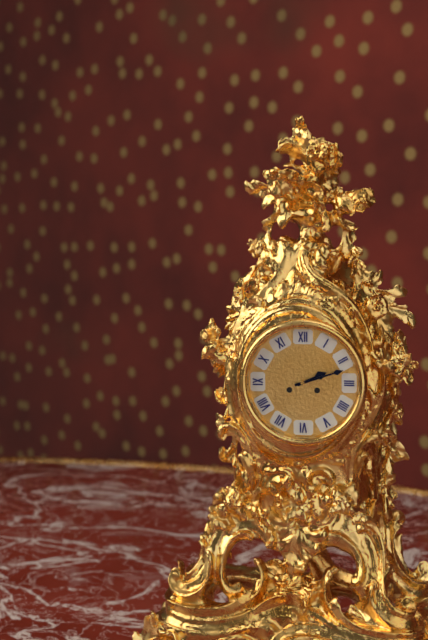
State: 2:12
